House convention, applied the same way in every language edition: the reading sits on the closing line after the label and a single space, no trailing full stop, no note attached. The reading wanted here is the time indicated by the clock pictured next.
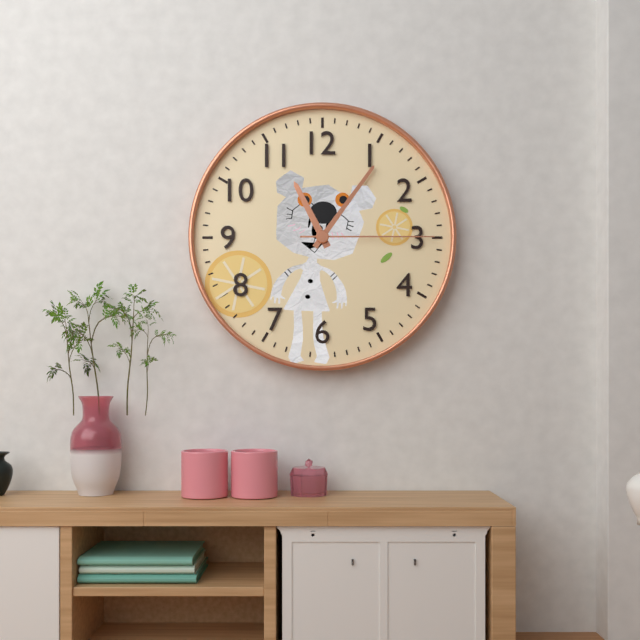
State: 11:06:15
